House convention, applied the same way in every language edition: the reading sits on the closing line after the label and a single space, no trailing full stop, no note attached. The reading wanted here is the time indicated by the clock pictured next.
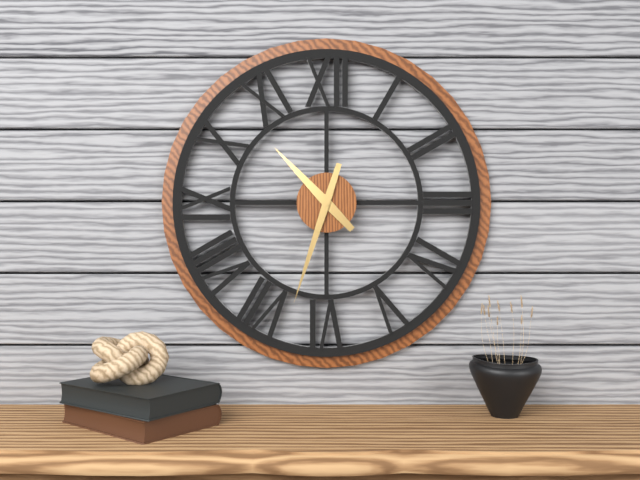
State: 10:33
